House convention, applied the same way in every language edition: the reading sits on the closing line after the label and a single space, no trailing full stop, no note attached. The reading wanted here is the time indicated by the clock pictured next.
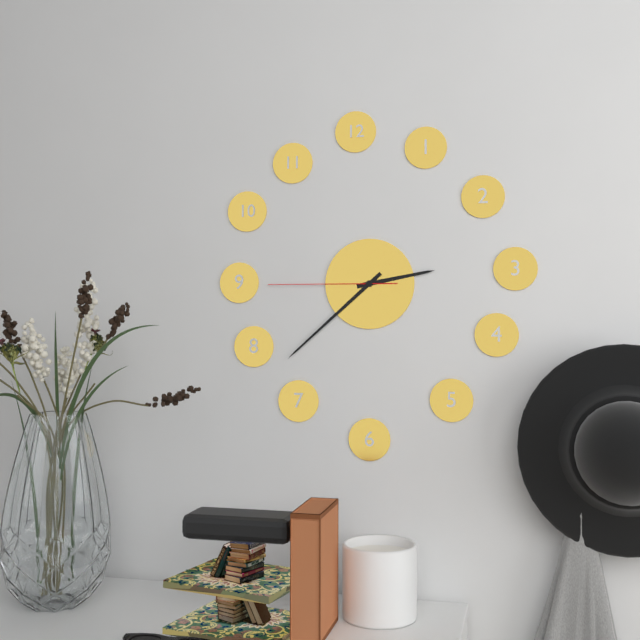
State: 2:38:45
